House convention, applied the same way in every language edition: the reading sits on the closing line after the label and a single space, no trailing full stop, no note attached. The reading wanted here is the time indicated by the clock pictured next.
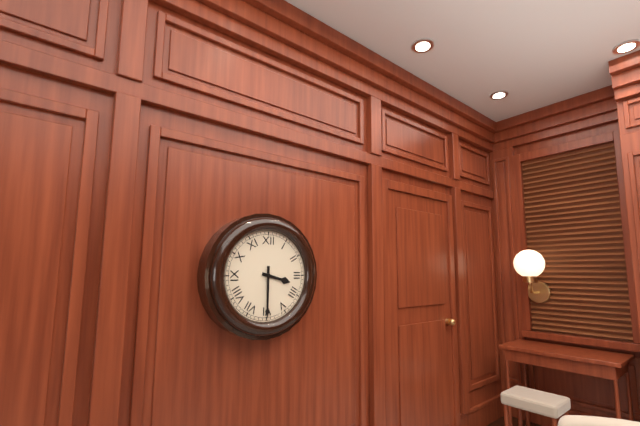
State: 3:30
